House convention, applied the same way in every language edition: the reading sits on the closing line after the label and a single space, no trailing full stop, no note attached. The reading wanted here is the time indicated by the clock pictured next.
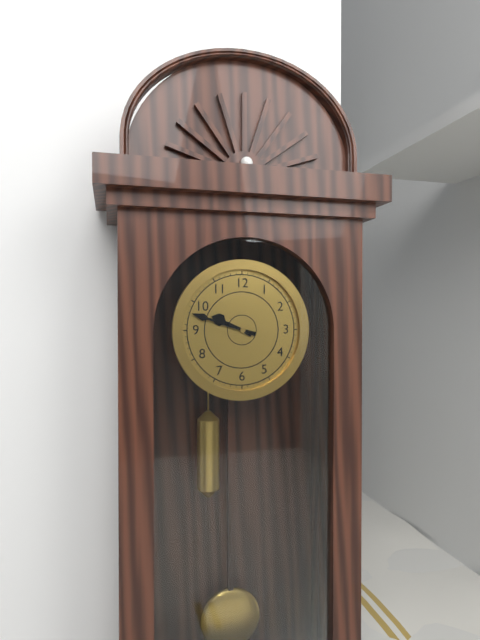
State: 9:48
